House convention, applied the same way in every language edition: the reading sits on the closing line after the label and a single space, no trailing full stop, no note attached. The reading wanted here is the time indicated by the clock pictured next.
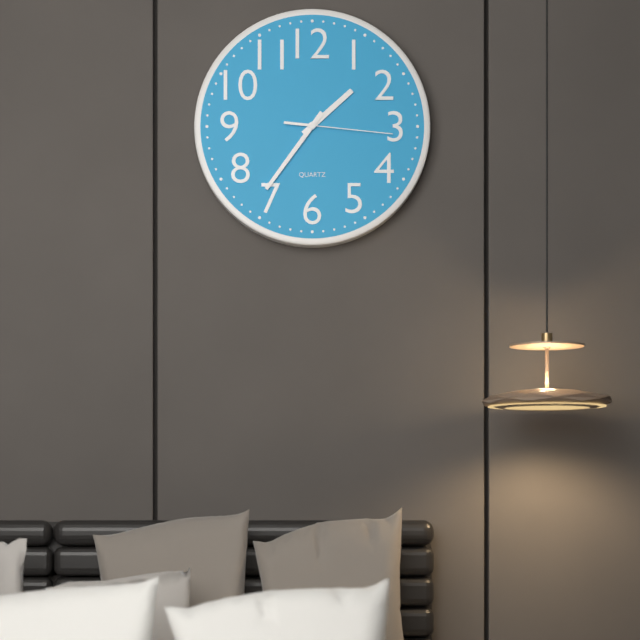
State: 1:36:16
